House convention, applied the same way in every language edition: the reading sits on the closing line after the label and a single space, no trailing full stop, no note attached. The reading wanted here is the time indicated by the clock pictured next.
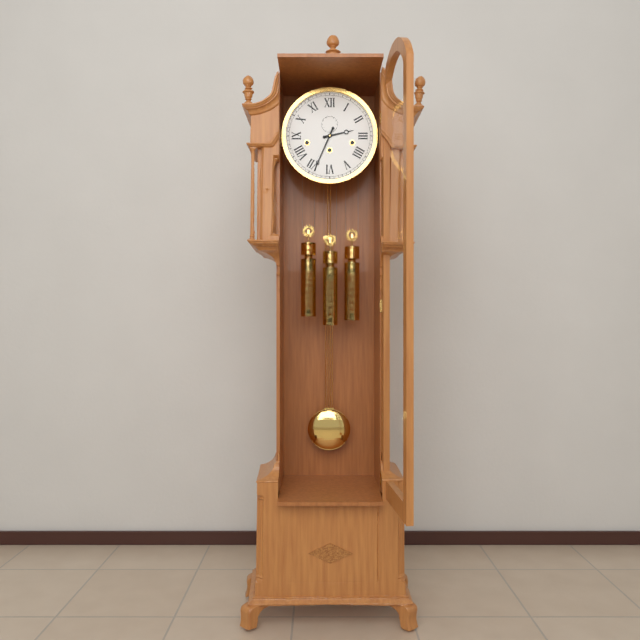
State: 2:34
